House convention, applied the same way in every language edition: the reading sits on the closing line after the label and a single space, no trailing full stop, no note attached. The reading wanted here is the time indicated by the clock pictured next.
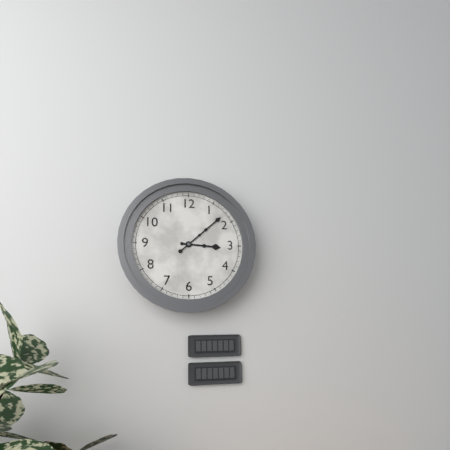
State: 3:08
